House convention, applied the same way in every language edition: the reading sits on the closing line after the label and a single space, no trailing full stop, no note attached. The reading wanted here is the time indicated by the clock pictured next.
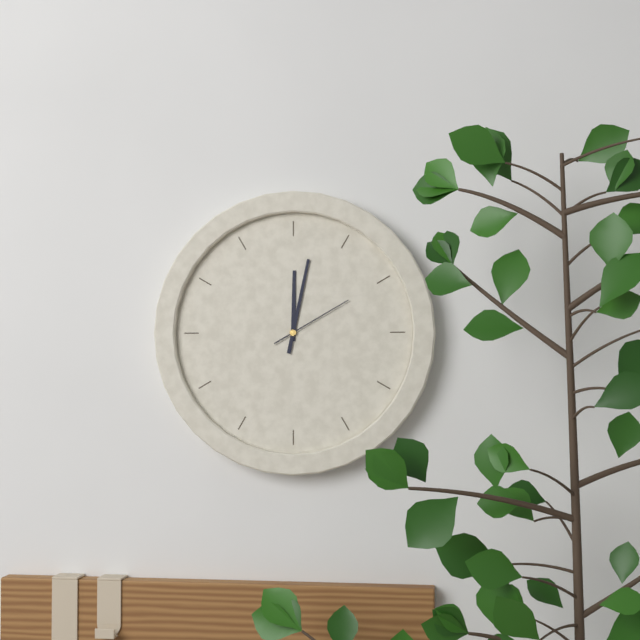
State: 12:02:10
